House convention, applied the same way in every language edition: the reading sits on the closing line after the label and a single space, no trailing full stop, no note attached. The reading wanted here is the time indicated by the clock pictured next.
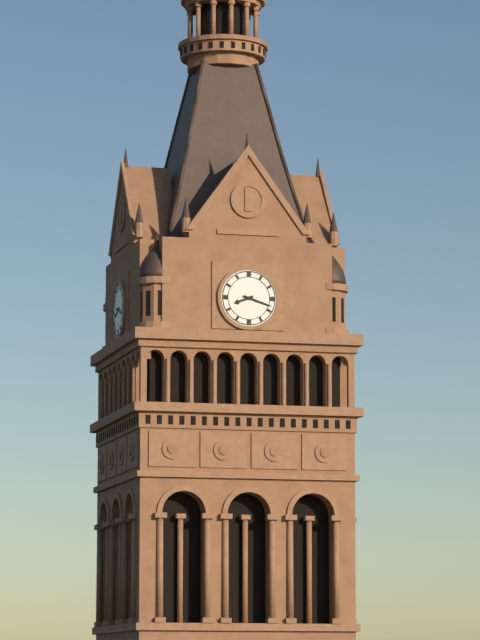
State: 8:18
